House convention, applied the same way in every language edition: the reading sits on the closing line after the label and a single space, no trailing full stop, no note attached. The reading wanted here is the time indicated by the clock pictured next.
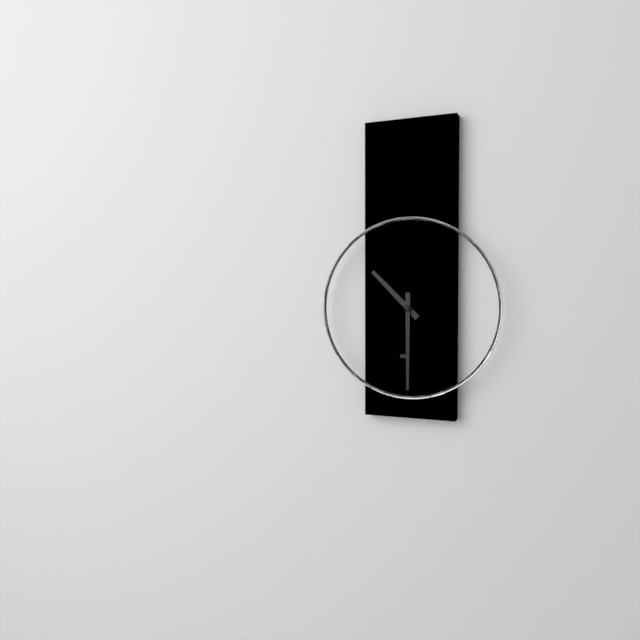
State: 10:30
